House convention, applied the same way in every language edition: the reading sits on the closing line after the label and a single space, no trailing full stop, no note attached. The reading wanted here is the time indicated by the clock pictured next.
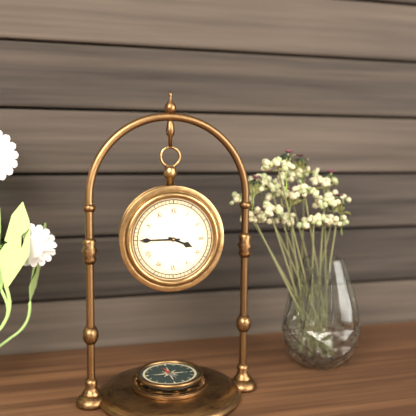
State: 3:45
